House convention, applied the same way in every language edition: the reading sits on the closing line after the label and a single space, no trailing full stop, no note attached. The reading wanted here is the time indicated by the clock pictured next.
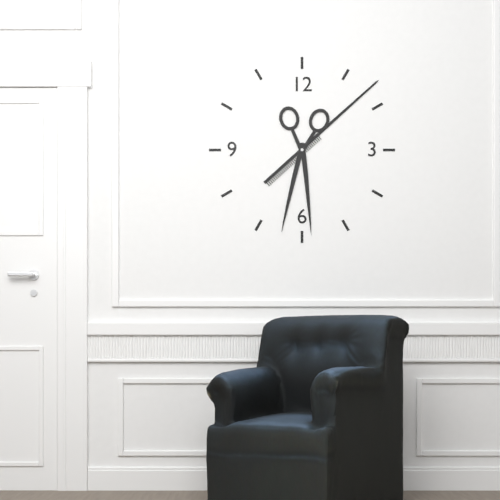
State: 6:08
